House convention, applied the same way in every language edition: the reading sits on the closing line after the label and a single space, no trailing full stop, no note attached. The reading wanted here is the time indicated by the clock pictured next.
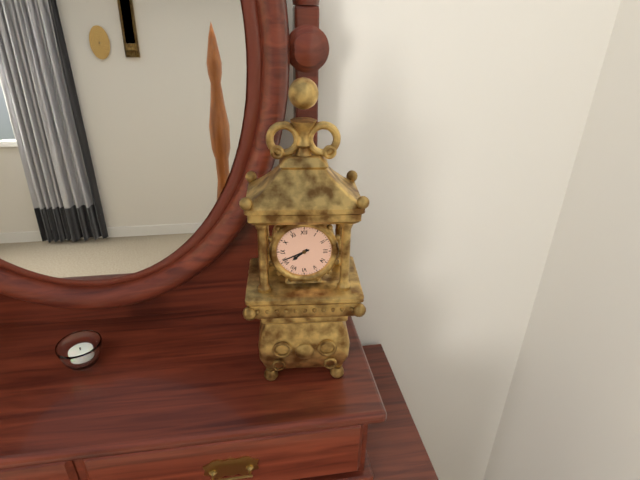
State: 7:41
